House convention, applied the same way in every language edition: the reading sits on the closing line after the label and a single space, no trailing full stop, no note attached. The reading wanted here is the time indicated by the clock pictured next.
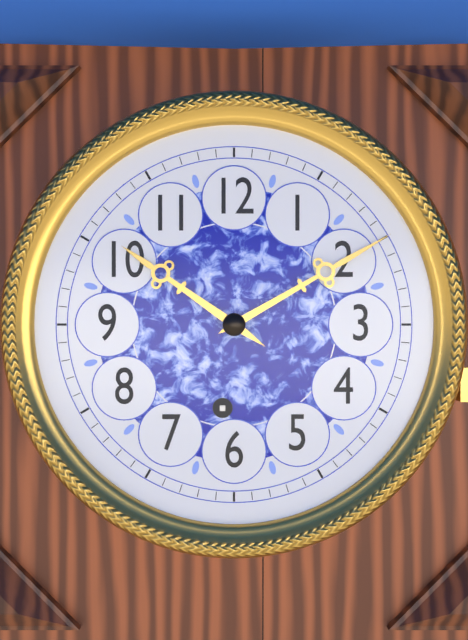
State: 10:10
